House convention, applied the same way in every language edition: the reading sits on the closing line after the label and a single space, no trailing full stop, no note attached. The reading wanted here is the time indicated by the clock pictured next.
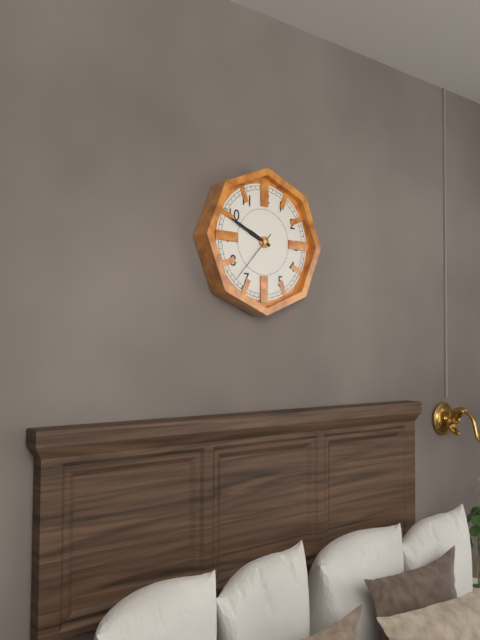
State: 9:49:37
